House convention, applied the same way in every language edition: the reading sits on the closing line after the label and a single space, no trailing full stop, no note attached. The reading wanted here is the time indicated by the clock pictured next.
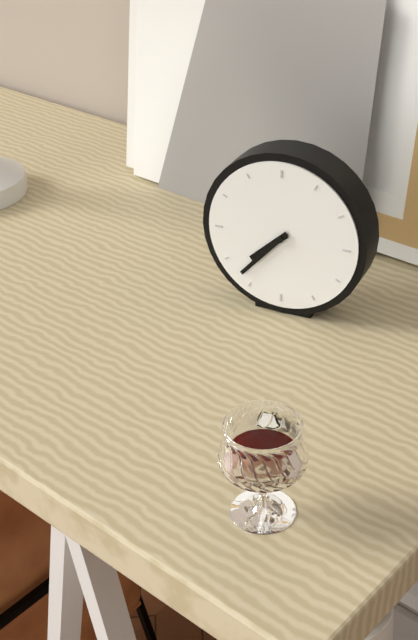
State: 7:37
